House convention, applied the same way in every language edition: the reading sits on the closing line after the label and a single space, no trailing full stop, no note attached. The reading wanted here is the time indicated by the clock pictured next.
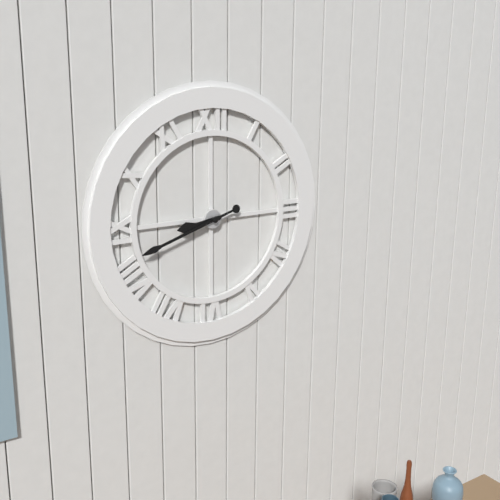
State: 8:42
